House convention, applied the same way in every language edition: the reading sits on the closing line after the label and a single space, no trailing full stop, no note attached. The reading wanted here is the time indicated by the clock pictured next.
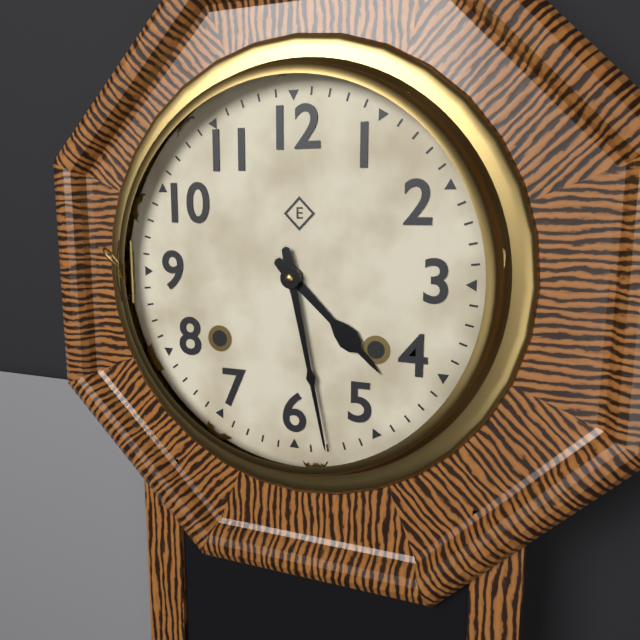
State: 4:28
